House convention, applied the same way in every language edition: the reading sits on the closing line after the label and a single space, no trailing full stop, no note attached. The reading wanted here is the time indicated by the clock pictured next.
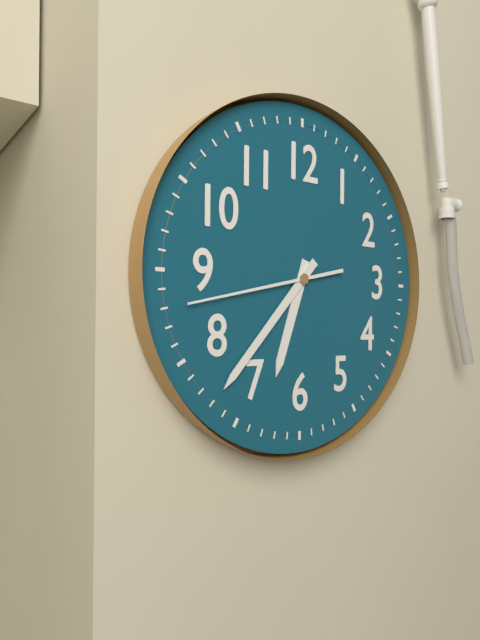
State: 6:37:43
